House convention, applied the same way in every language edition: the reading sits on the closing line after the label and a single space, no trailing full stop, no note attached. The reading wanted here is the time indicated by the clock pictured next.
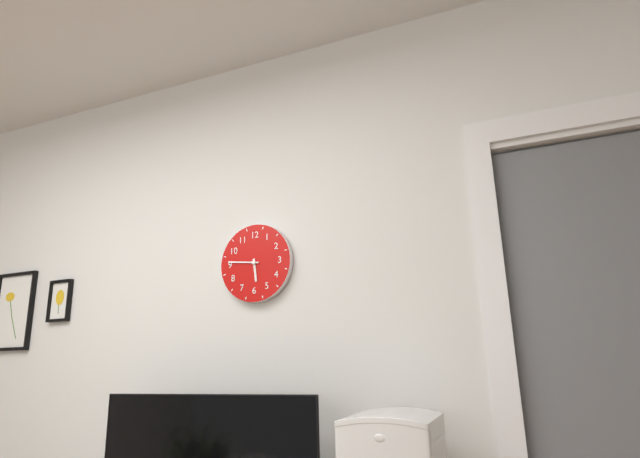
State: 5:46
